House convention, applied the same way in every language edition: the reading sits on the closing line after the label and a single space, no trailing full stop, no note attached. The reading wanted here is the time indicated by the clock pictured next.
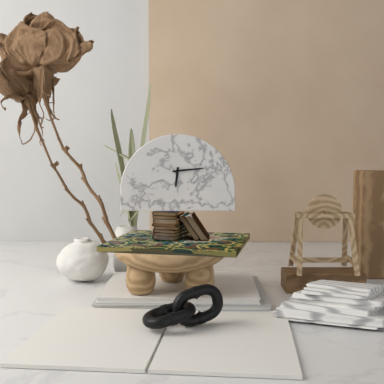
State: 6:14
